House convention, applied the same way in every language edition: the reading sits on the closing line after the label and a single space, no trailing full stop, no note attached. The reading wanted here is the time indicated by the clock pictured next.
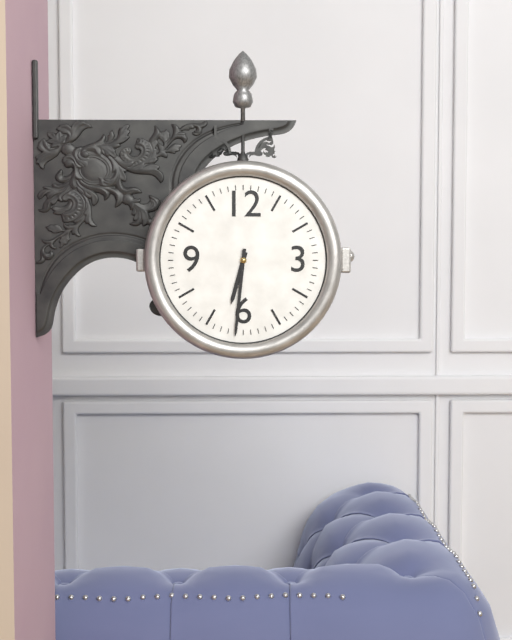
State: 6:31
